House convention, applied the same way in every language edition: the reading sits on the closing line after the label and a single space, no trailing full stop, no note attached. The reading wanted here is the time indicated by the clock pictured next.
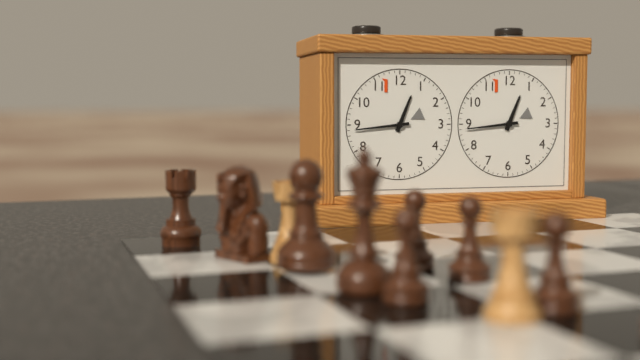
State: 12:44
